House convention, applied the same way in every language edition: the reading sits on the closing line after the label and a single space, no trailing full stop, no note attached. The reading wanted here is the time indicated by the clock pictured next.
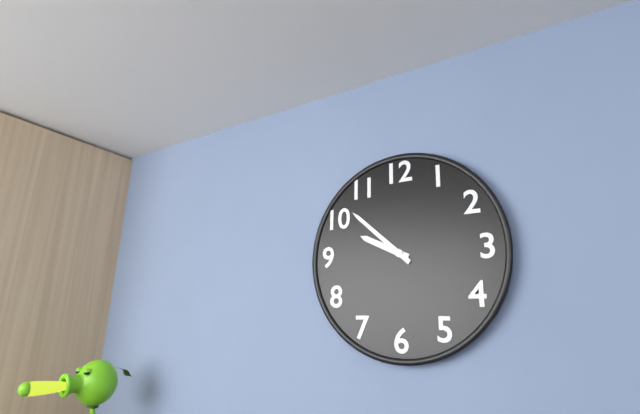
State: 9:52
